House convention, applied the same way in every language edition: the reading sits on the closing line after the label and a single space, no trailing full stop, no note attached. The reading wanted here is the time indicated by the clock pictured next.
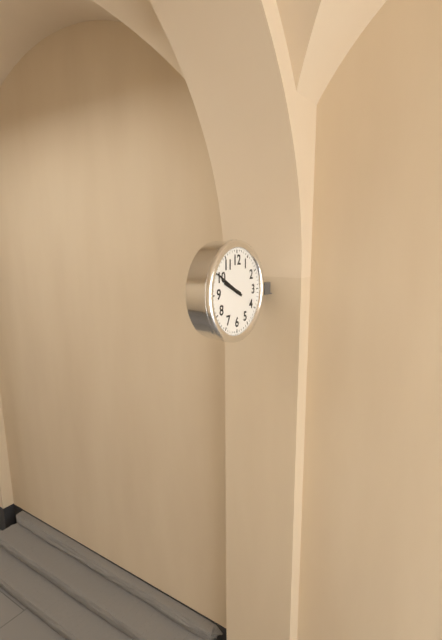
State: 9:50
